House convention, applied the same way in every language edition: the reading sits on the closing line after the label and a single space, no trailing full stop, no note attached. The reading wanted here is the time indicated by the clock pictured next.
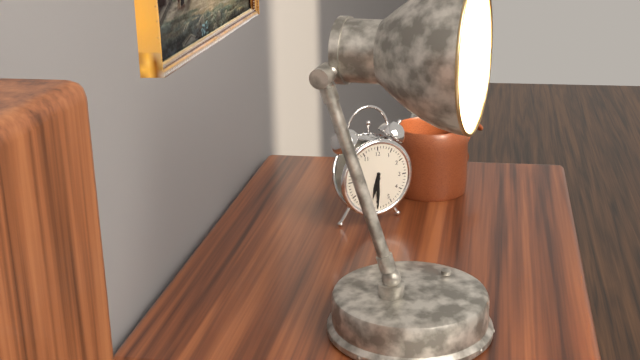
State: 6:30
